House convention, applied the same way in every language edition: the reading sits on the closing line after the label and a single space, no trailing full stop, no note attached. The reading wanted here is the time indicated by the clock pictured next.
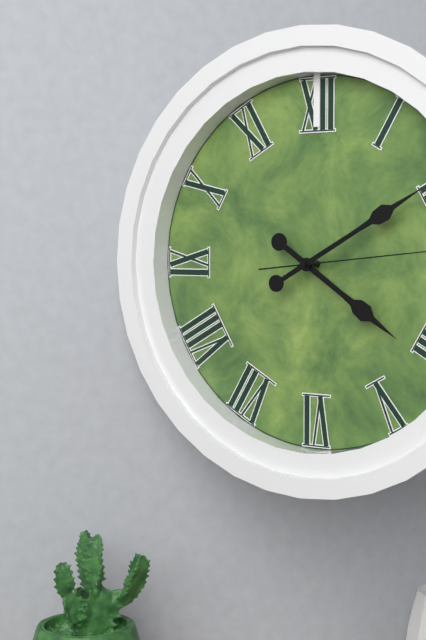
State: 4:10
